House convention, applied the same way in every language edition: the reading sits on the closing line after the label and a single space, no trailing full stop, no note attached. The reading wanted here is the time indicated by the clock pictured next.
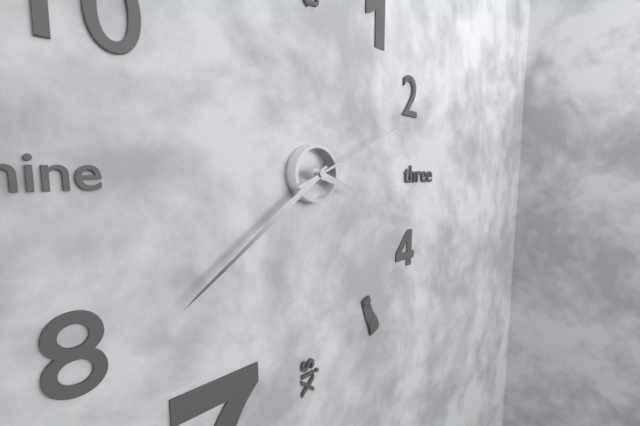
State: 3:39:11
